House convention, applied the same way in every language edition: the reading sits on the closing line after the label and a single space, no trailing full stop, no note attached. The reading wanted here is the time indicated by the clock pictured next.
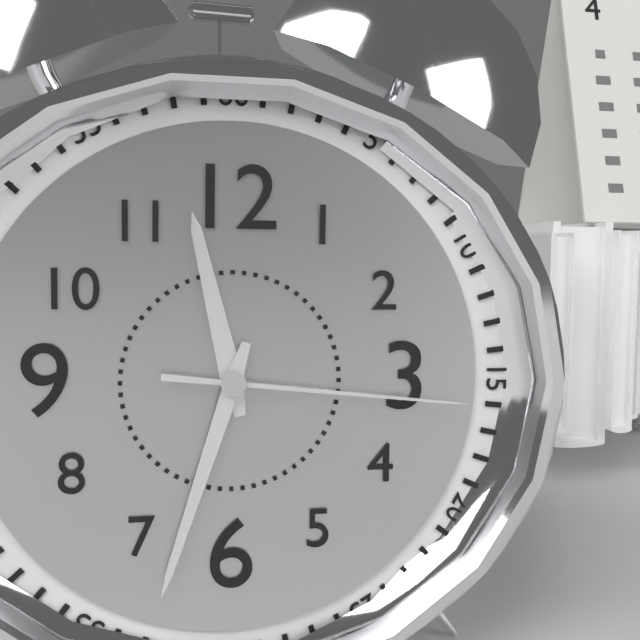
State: 11:33:16
